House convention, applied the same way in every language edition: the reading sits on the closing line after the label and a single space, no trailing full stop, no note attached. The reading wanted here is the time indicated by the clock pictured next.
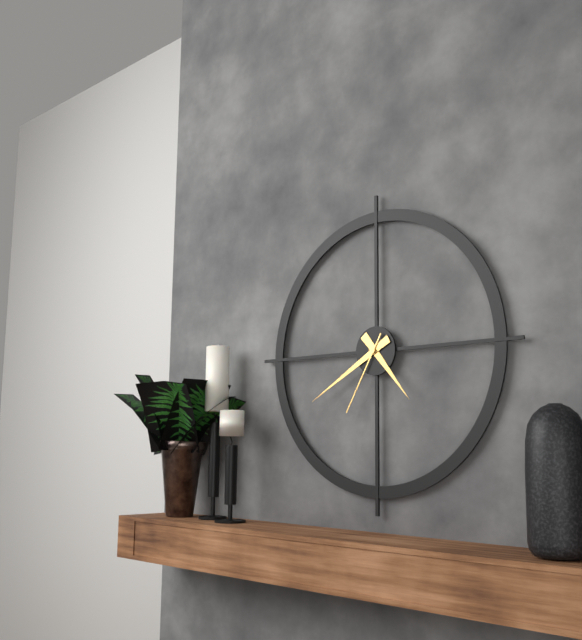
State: 4:40:35
